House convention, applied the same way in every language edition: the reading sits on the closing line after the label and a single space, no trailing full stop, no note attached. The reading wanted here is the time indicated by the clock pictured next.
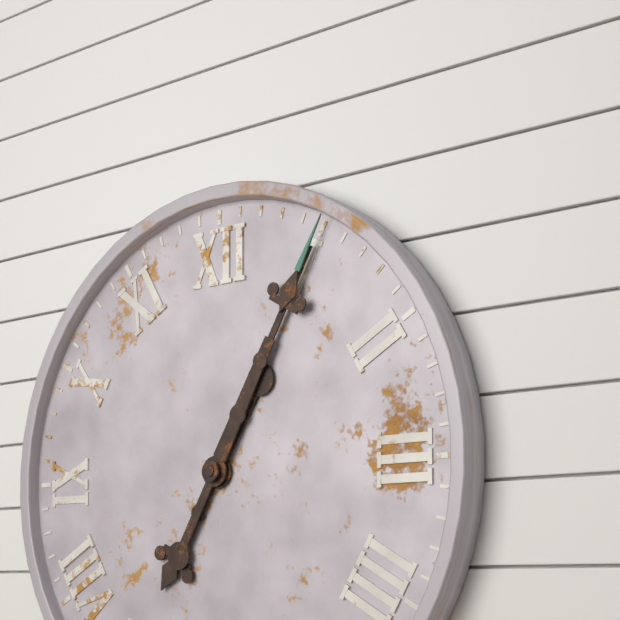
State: 7:05
